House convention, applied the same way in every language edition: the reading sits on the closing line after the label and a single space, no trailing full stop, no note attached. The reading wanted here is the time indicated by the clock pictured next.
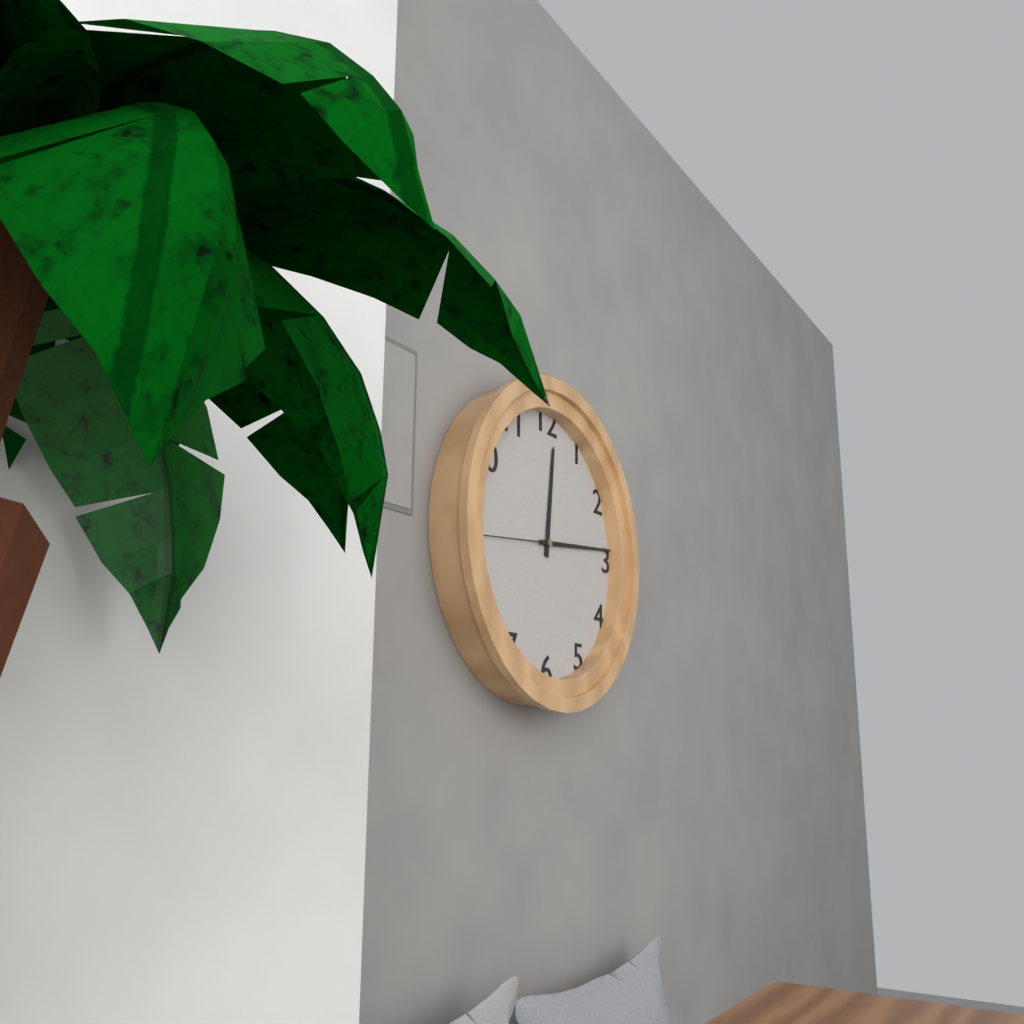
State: 12:14:44
